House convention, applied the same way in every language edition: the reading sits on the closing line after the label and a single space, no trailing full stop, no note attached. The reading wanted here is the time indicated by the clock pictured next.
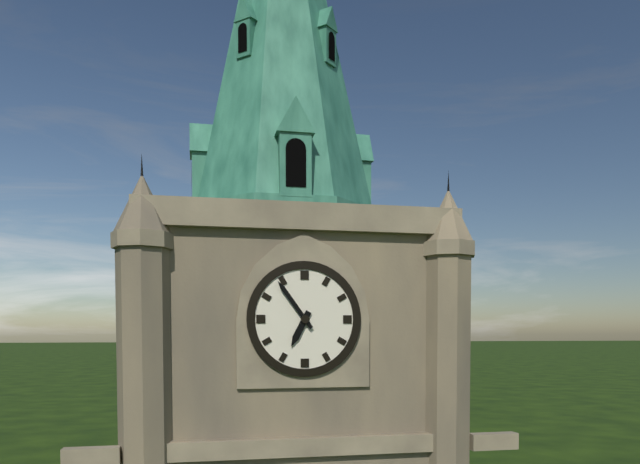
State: 6:54
